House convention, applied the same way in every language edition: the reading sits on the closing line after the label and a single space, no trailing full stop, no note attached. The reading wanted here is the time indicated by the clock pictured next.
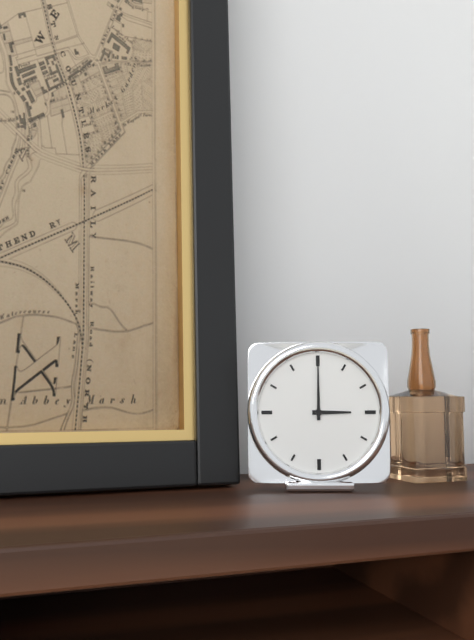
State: 3:00
